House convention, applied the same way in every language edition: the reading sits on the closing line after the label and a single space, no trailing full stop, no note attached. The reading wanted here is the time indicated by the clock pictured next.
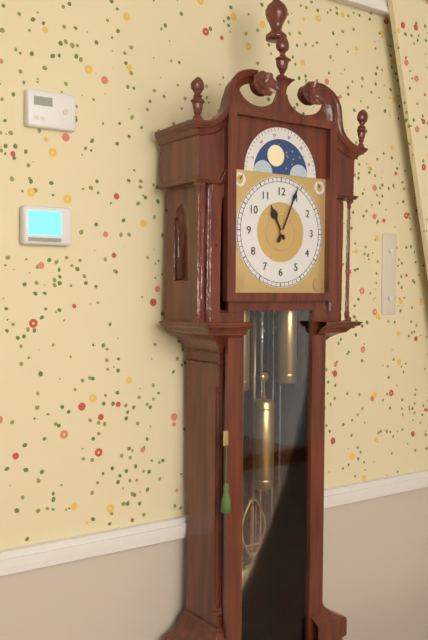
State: 11:04
